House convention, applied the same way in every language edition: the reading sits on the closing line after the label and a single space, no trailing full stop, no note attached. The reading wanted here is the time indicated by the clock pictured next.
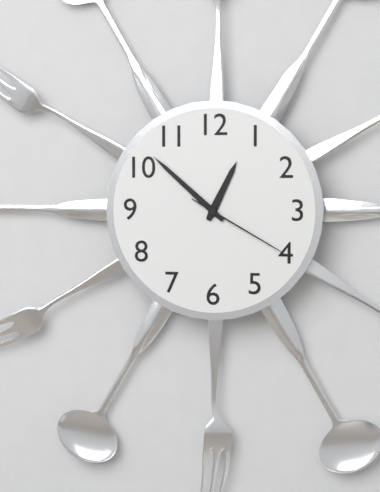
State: 12:52:20
